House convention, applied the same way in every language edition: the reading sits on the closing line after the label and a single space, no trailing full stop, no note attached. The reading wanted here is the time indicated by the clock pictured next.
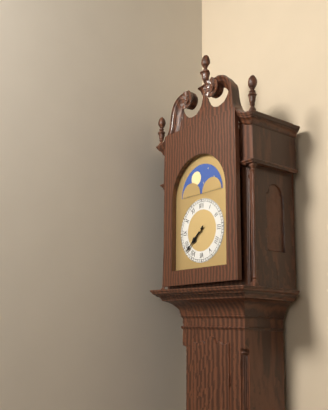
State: 7:38
